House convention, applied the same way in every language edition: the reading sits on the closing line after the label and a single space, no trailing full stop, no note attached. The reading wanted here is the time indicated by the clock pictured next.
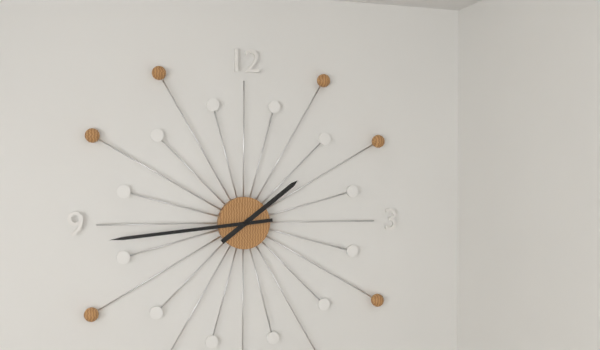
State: 1:44
